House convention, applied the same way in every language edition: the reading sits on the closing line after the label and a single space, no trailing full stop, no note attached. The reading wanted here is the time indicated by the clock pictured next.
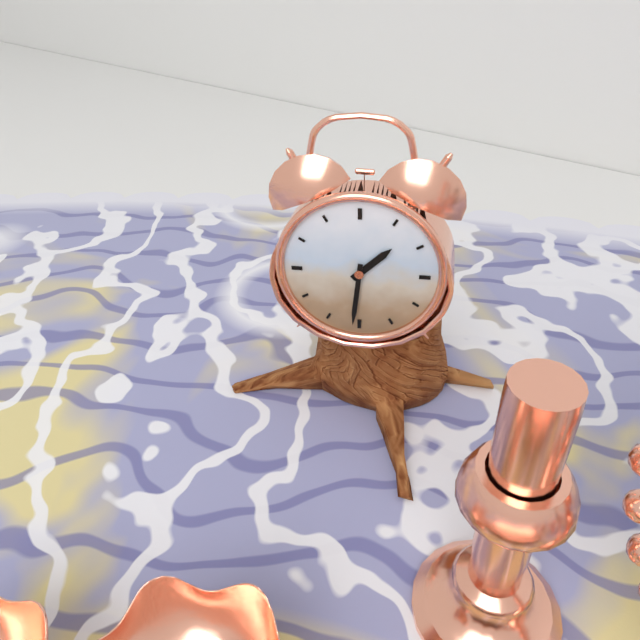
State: 1:31
